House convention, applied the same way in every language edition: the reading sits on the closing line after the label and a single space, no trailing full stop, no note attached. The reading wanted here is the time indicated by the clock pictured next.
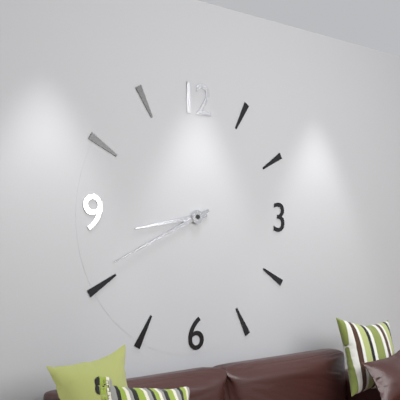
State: 8:41
